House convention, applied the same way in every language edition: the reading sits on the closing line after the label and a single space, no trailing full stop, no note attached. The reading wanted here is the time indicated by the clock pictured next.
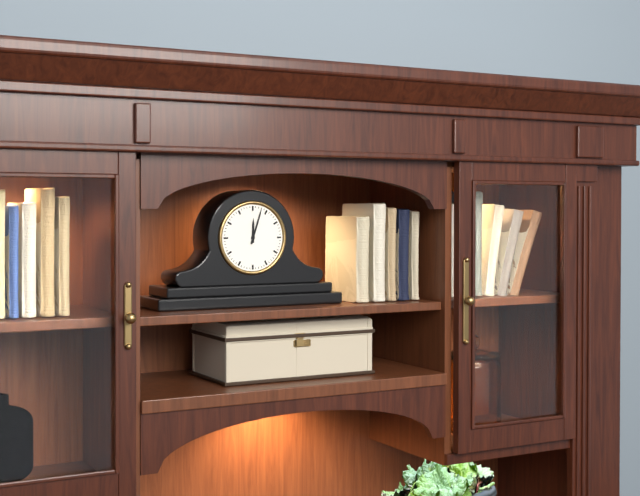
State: 12:03
